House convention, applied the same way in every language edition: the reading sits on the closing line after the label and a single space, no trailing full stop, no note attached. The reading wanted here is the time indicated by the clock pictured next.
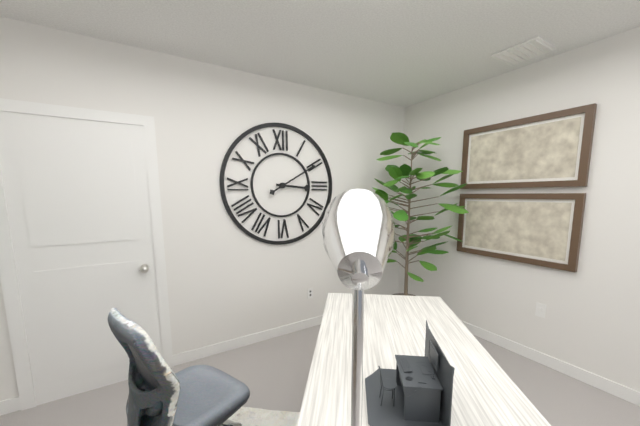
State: 3:10
